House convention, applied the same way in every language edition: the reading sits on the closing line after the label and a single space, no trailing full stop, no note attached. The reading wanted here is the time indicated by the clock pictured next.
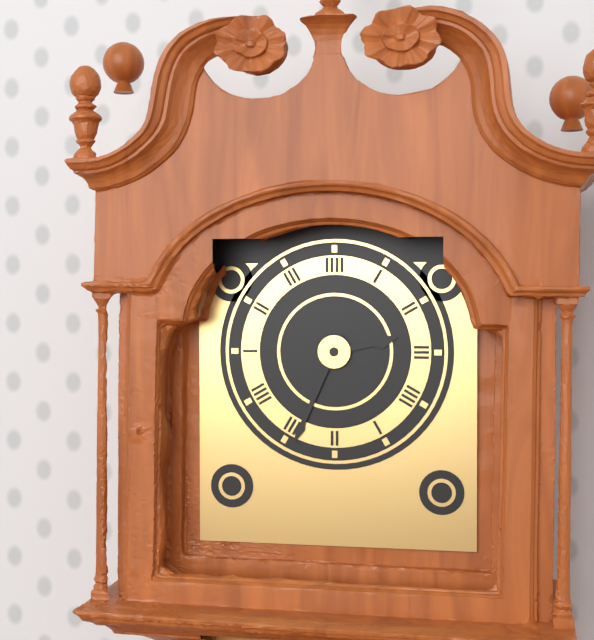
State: 2:34
